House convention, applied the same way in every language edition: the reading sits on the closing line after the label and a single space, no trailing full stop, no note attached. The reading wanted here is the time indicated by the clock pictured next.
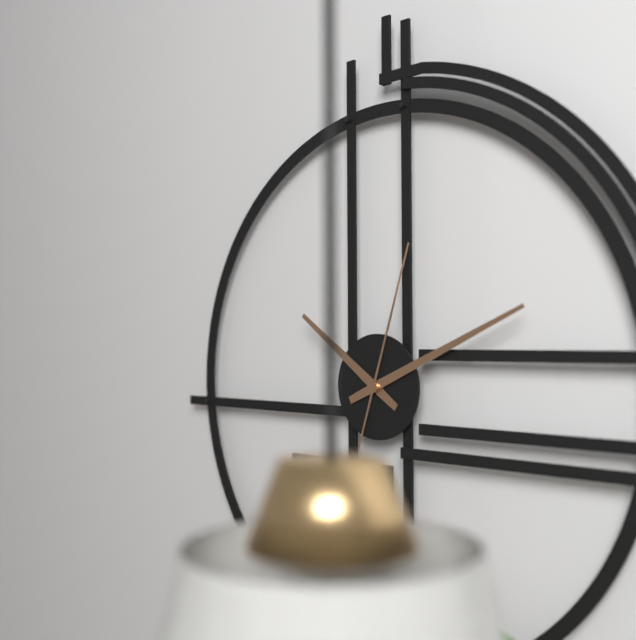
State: 10:11:03
